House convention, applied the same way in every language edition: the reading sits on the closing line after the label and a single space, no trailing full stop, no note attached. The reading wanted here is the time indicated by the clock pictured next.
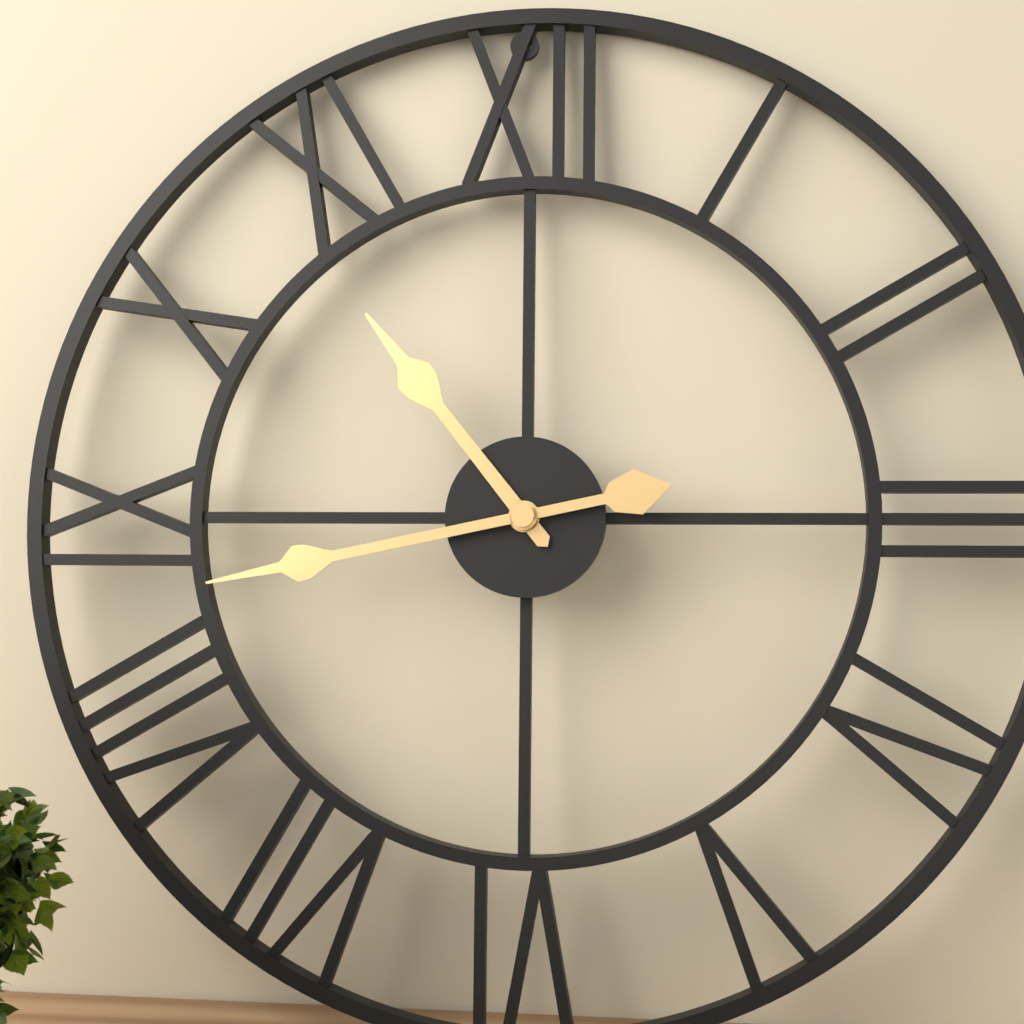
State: 10:43
